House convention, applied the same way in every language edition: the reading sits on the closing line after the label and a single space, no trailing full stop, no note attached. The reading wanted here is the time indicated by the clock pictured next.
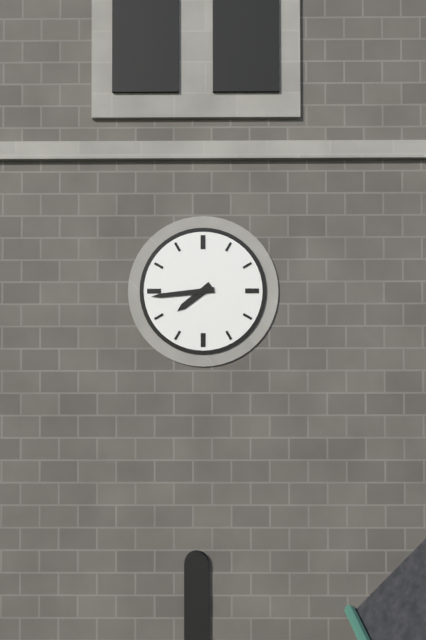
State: 7:44
